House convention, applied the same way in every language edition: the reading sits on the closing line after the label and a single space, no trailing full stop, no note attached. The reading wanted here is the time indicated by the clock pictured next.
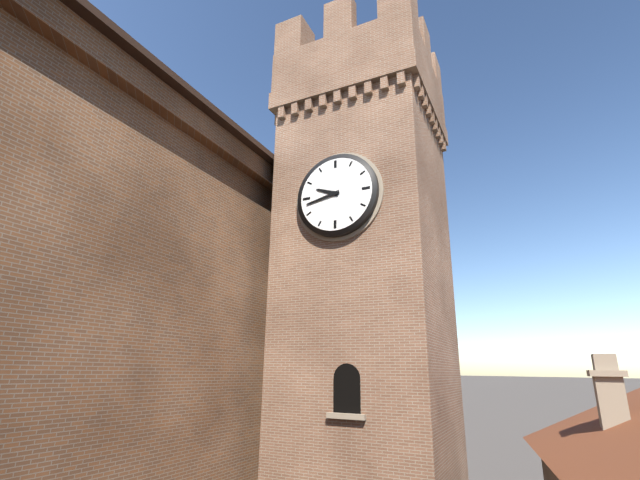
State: 9:43
